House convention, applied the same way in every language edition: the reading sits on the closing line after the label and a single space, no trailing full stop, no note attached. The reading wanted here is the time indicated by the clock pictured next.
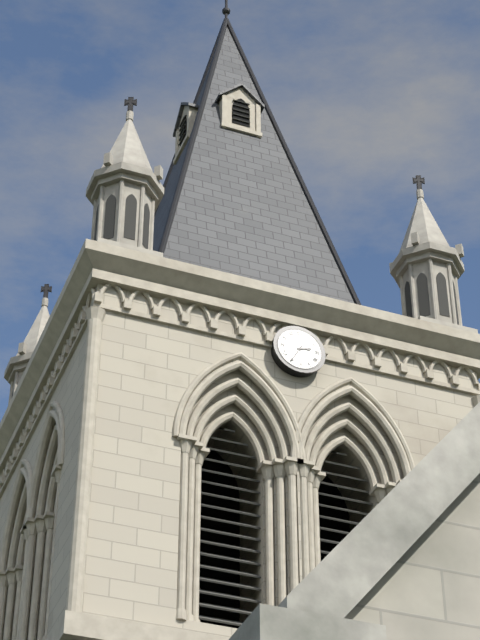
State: 2:35
